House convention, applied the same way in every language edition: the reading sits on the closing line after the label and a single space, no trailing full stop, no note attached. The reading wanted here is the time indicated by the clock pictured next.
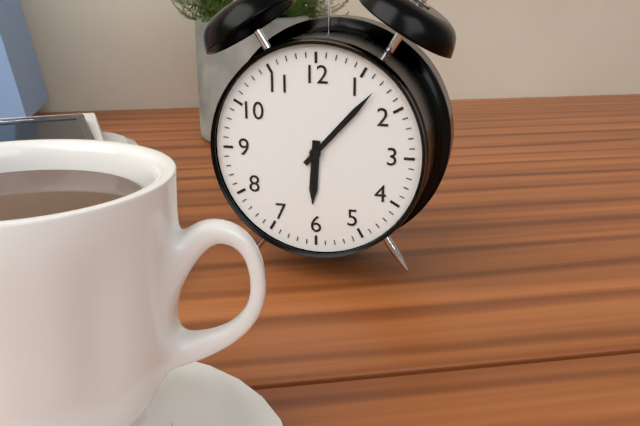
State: 6:07
